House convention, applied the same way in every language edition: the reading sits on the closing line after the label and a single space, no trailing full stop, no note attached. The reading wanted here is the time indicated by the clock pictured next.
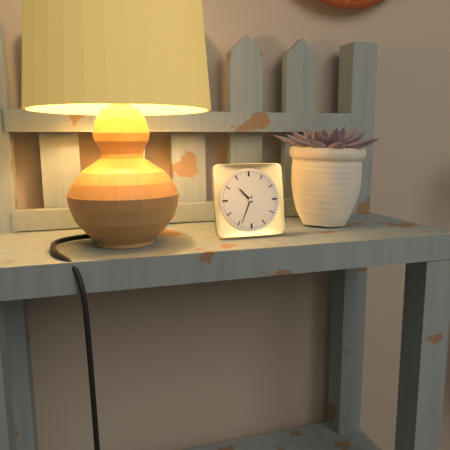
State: 10:34
